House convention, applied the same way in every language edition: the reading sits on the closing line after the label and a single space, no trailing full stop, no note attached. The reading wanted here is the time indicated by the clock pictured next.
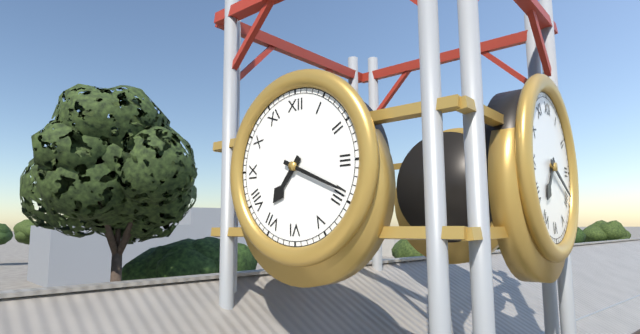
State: 7:19
